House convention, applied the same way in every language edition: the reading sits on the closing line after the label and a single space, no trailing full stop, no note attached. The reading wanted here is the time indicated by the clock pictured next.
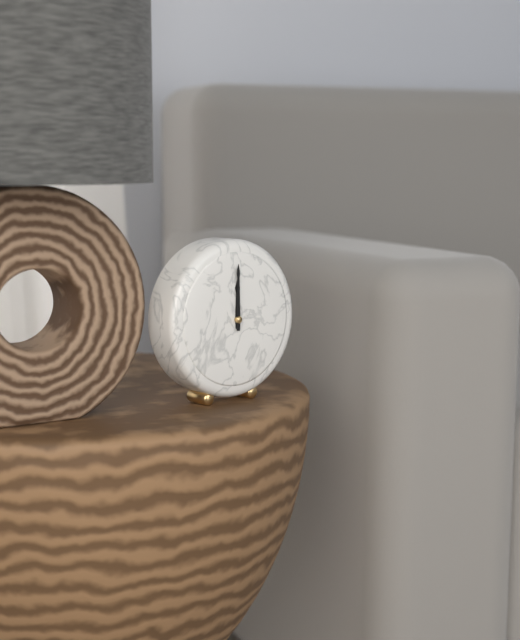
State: 12:00
